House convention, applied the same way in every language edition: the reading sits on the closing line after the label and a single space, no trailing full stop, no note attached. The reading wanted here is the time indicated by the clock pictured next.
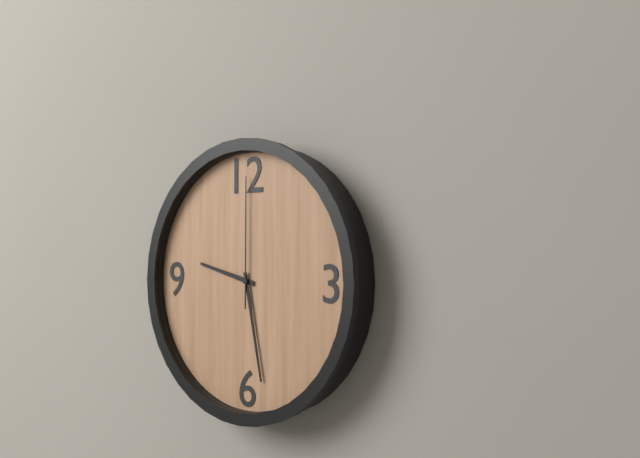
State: 9:28:00
